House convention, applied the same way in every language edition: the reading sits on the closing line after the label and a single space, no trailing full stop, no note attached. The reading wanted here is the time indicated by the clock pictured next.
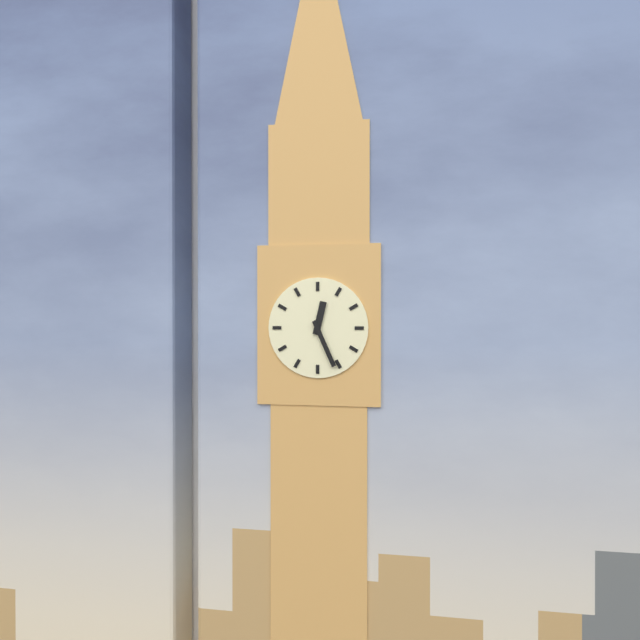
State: 12:26
